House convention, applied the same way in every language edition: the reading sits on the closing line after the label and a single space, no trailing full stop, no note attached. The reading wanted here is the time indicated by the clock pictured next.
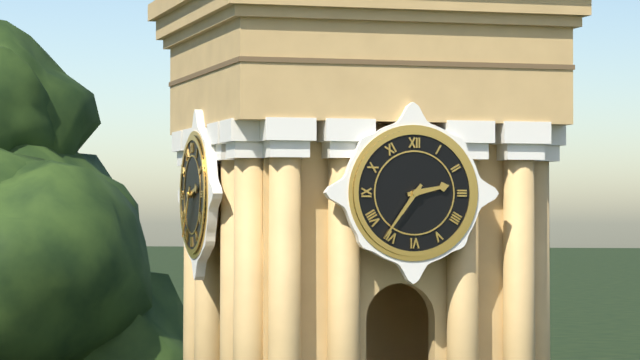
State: 2:36
